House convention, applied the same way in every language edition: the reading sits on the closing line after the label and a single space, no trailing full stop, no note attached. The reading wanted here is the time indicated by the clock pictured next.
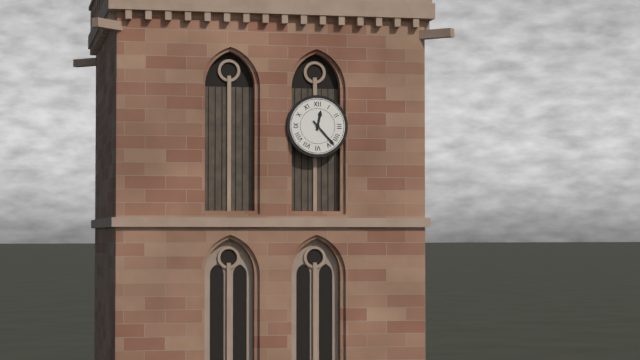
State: 12:23
